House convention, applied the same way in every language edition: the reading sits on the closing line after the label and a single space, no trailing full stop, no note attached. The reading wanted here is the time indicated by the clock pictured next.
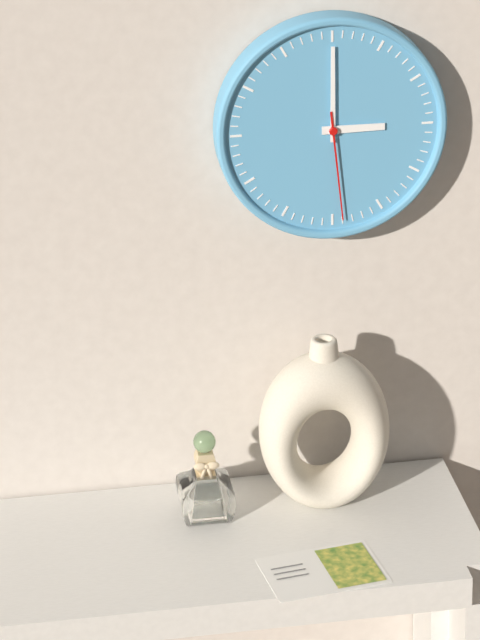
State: 3:00:29
